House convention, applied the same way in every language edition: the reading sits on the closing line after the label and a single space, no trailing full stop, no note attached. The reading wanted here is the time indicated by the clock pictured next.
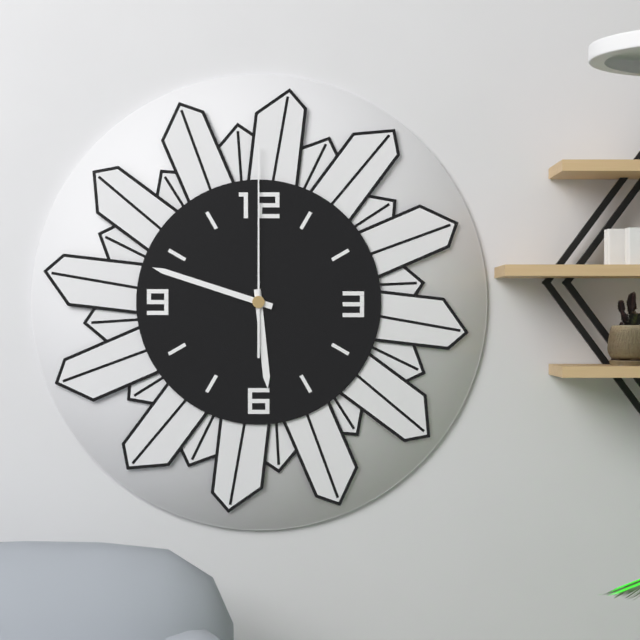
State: 5:48:00
